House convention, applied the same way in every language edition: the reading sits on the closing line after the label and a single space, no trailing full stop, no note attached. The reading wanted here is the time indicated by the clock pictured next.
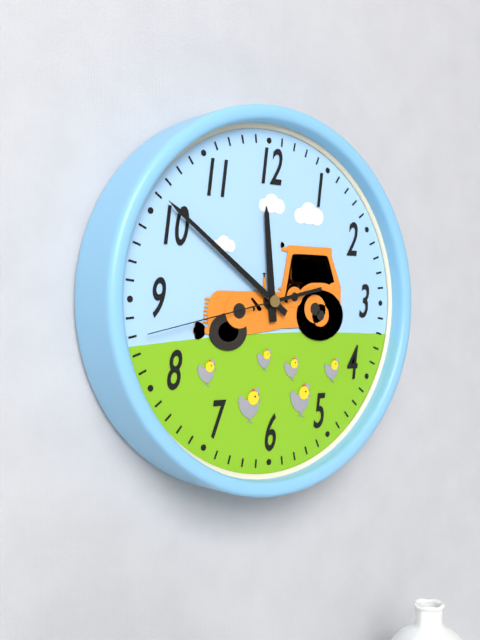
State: 11:51:43
